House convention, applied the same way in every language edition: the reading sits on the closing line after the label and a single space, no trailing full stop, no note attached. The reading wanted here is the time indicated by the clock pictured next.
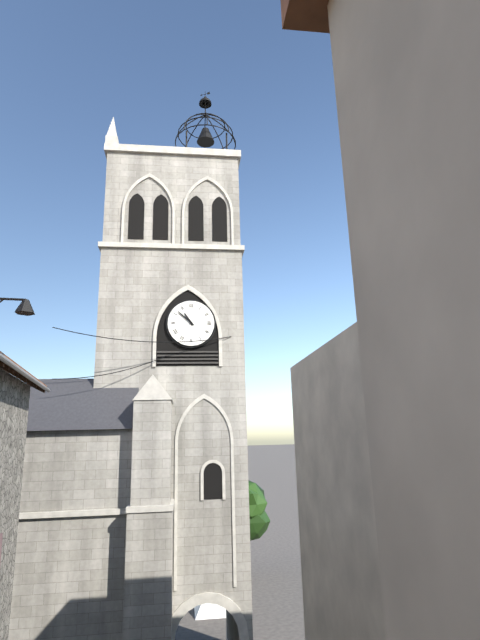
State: 10:52
